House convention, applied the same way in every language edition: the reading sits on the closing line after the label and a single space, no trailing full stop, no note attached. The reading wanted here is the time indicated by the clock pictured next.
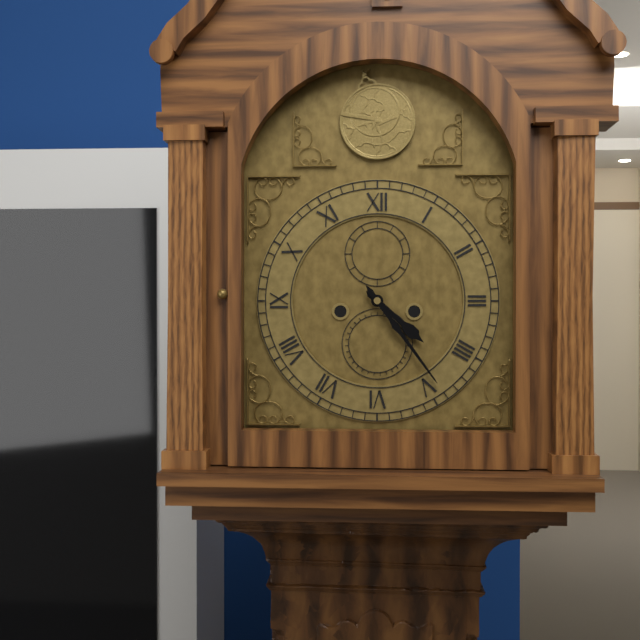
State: 4:24
